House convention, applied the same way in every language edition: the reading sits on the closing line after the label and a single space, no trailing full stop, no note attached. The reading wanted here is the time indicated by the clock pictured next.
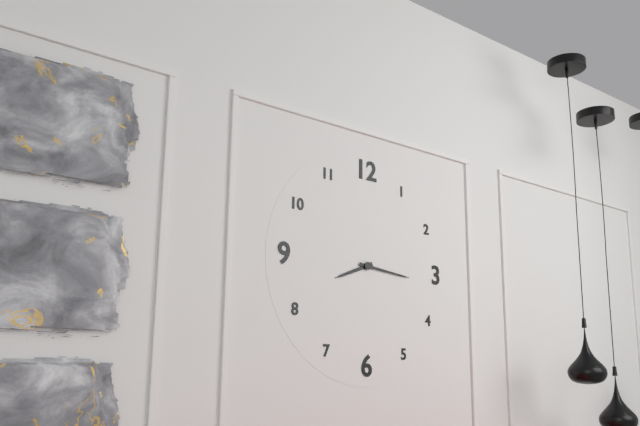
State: 8:16
